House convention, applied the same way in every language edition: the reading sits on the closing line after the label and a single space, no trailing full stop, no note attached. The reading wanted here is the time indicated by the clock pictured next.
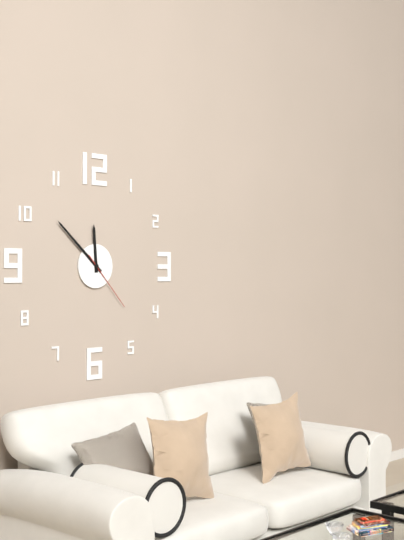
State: 11:52:23
